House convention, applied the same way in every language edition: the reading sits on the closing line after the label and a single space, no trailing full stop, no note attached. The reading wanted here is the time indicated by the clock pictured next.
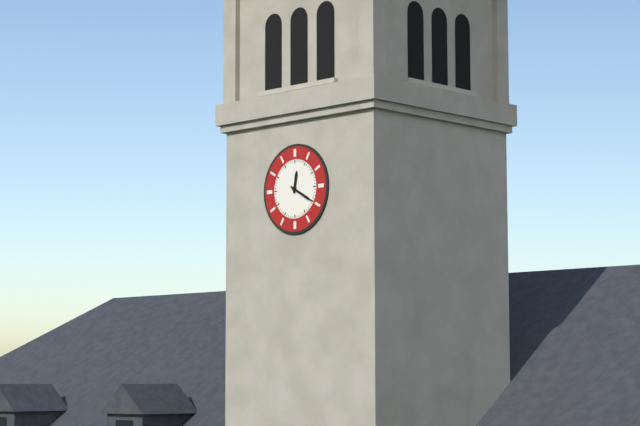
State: 12:20
